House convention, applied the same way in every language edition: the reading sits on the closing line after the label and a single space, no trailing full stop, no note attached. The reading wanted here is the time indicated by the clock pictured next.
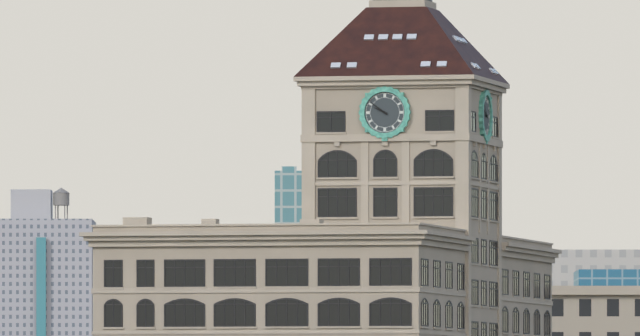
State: 9:51
